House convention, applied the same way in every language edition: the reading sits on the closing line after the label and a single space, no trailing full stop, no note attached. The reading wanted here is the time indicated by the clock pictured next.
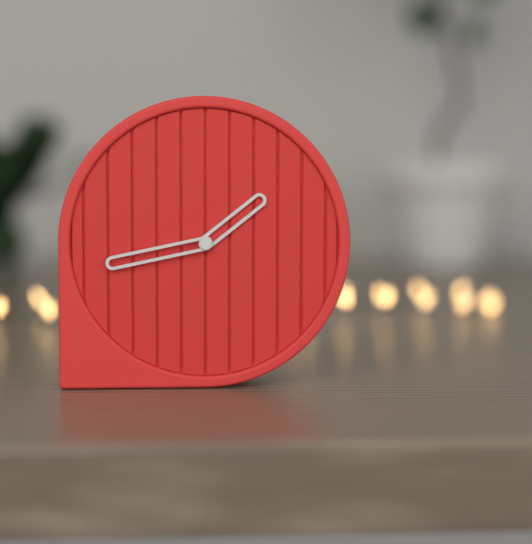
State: 1:43
